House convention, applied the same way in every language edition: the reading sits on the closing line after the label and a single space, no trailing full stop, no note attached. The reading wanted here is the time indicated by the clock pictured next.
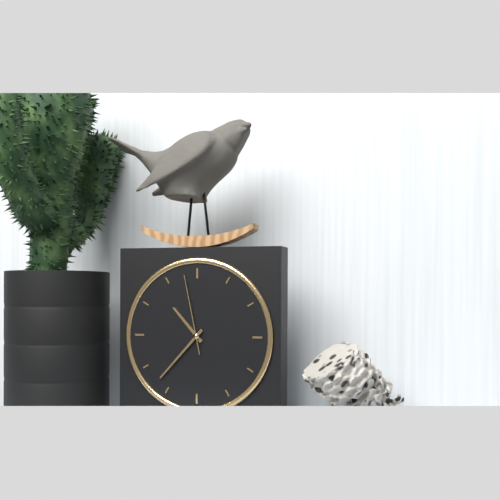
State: 10:37:58
